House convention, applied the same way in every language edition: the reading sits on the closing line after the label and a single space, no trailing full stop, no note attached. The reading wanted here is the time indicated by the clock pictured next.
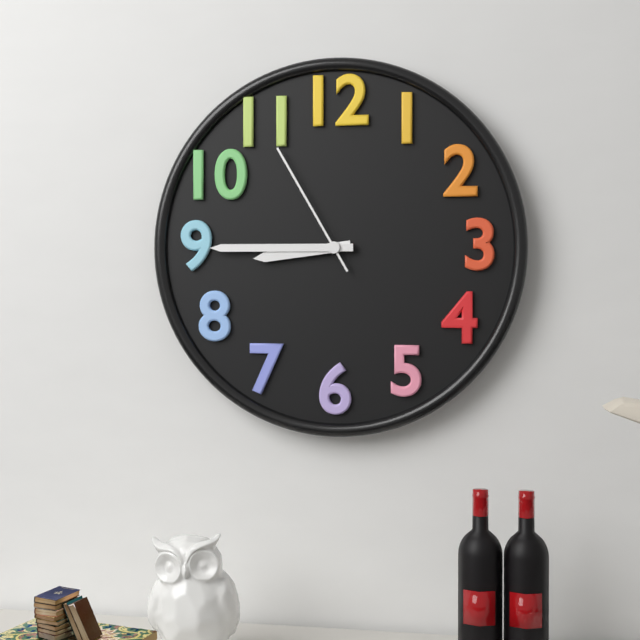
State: 8:45:55
